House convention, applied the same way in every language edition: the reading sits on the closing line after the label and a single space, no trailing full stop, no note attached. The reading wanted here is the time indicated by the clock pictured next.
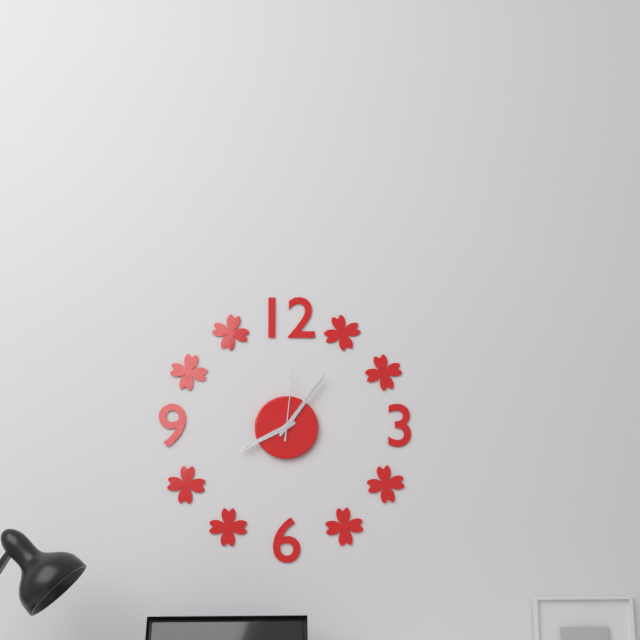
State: 8:06:01
